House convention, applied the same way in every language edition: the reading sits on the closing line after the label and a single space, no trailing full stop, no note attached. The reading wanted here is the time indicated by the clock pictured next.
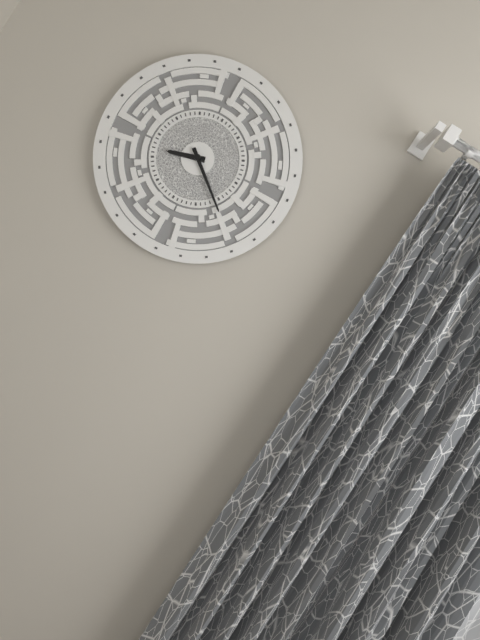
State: 8:21
